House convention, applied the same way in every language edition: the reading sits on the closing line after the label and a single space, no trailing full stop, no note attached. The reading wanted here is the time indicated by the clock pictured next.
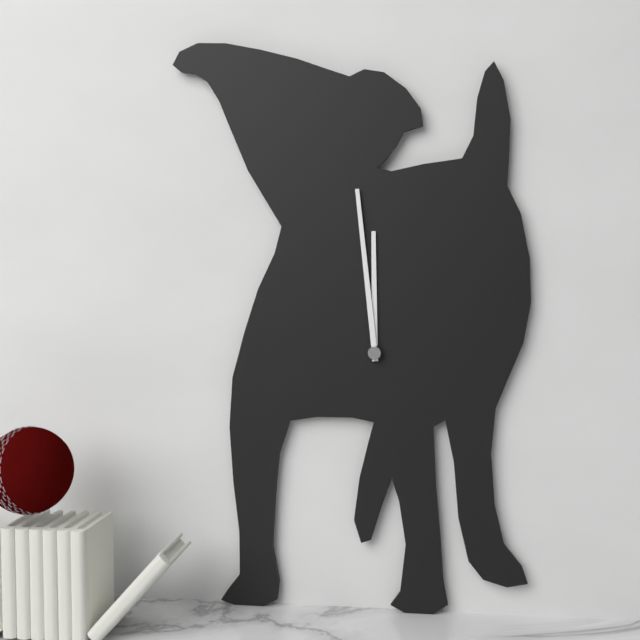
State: 11:59
